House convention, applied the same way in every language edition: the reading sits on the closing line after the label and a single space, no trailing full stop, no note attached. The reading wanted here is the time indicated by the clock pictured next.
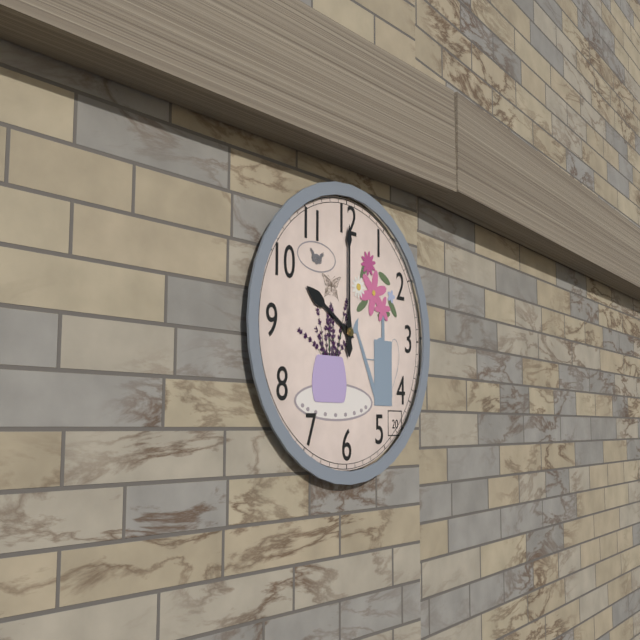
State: 10:00
